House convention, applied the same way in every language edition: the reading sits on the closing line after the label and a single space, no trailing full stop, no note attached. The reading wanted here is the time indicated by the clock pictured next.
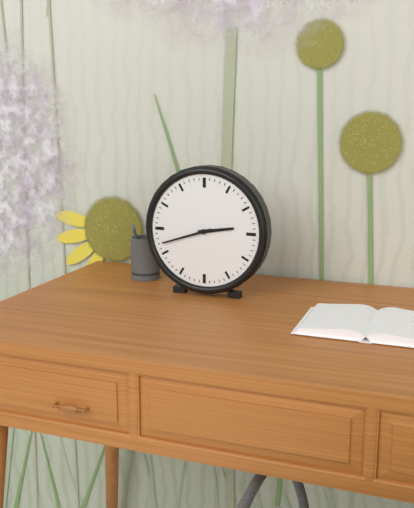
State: 2:42
